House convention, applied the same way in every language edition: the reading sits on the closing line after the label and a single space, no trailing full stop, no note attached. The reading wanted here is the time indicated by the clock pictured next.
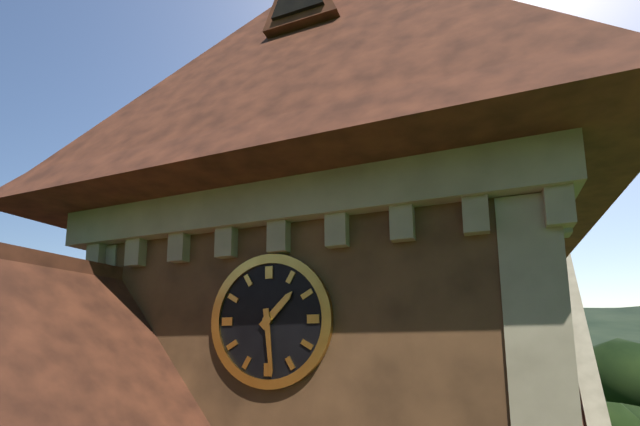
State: 1:29
